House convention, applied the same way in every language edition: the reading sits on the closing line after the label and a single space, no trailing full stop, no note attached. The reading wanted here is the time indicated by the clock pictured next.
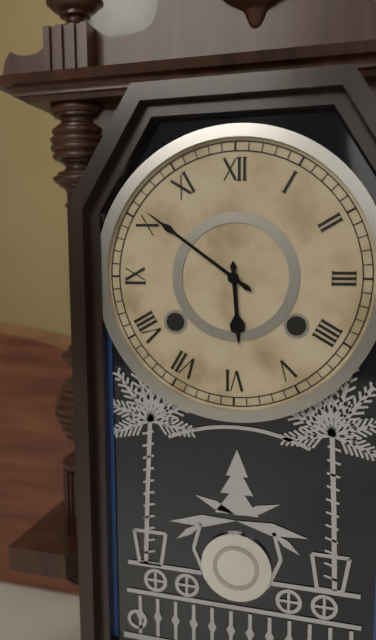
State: 5:51
